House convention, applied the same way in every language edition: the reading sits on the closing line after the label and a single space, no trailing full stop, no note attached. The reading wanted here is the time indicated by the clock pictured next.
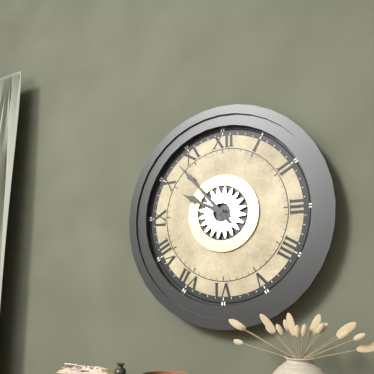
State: 9:53
